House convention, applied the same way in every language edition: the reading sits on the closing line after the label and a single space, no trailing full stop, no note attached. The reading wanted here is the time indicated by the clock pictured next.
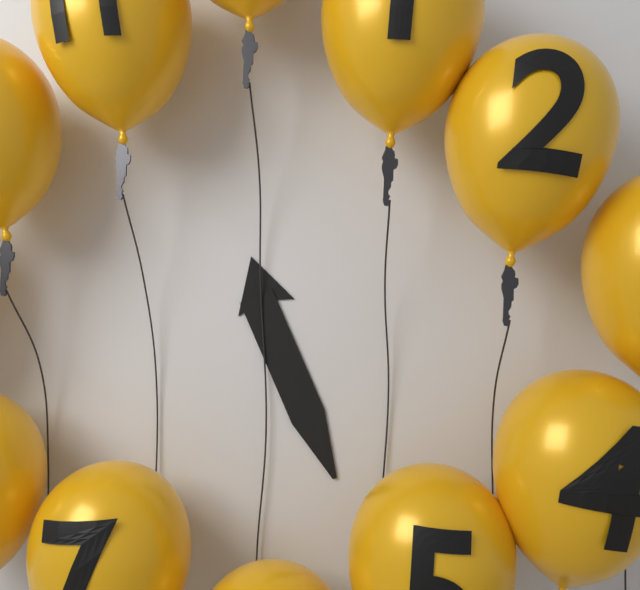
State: 11:26
